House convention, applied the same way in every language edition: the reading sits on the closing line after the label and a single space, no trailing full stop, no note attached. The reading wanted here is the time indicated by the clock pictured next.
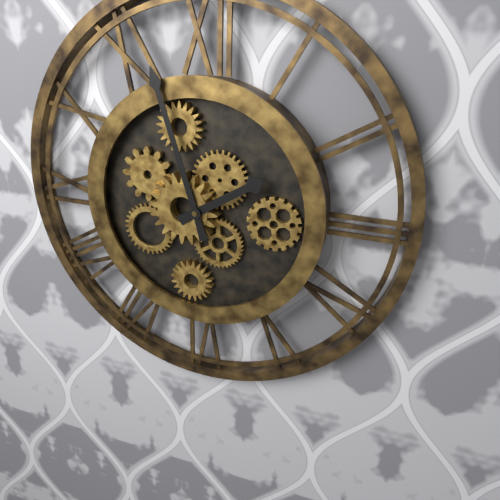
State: 1:57
